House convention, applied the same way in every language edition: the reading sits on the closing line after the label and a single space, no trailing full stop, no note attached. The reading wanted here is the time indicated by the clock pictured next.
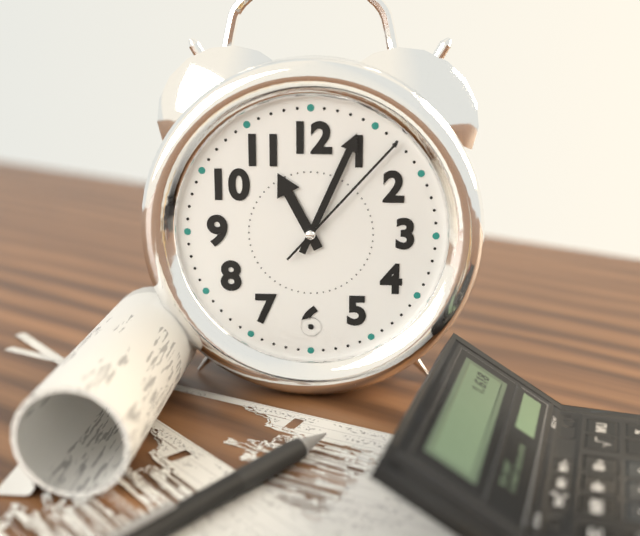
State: 11:04:07
